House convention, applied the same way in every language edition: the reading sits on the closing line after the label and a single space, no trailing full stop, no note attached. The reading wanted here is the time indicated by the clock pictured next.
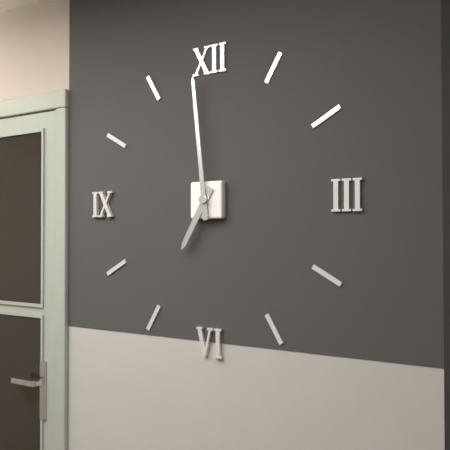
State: 6:59
